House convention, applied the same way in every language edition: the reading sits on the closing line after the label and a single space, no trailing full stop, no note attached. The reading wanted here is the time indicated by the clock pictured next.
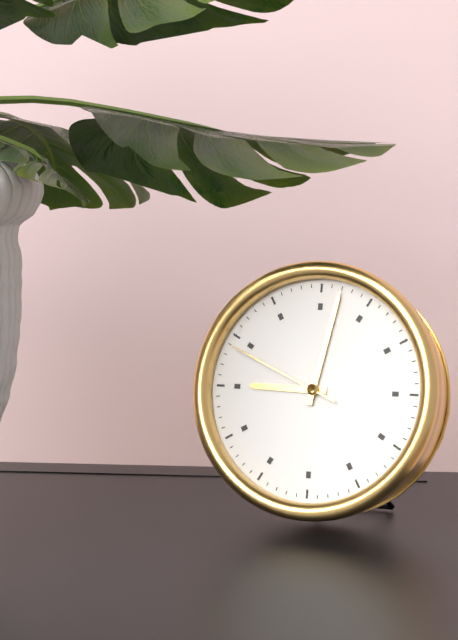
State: 9:02:49
